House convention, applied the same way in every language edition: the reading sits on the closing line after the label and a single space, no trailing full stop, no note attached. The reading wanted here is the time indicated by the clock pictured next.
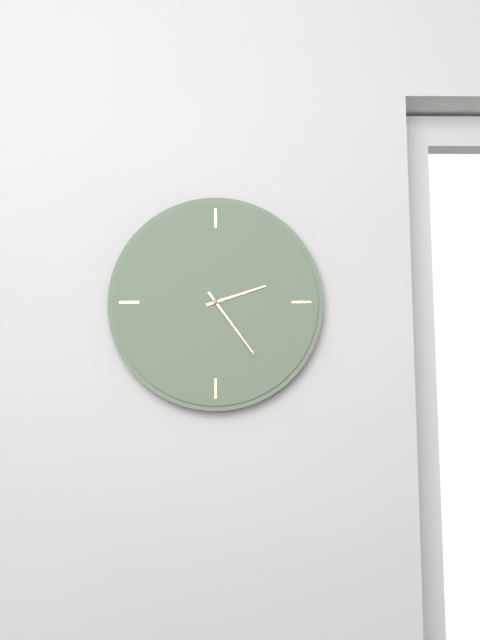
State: 2:24
